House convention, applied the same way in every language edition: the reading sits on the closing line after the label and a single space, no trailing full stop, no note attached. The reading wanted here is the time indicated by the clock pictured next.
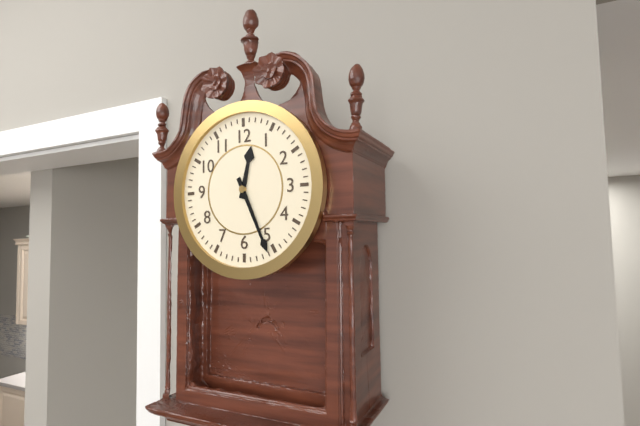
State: 12:26
